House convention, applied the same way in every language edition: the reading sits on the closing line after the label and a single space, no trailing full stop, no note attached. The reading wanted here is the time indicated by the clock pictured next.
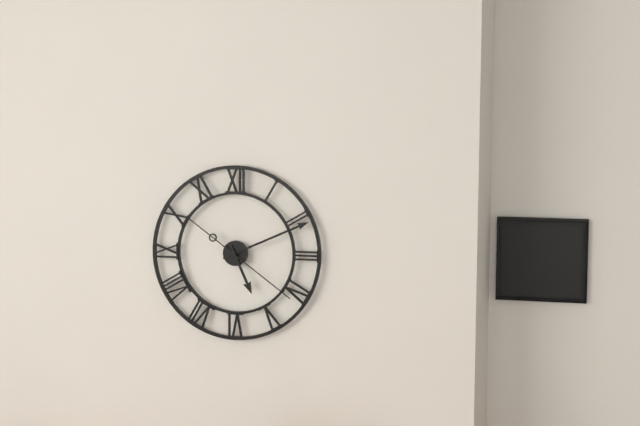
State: 5:11:21
